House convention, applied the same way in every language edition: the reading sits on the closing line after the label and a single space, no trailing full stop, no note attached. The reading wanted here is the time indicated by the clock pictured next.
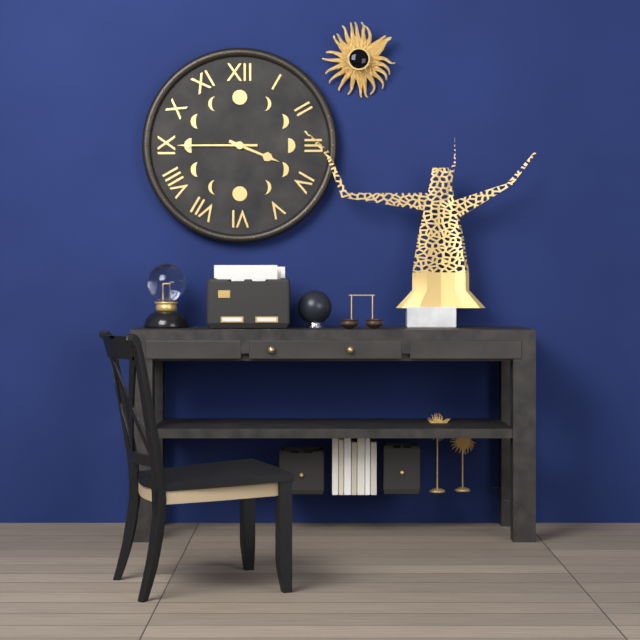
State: 3:45
